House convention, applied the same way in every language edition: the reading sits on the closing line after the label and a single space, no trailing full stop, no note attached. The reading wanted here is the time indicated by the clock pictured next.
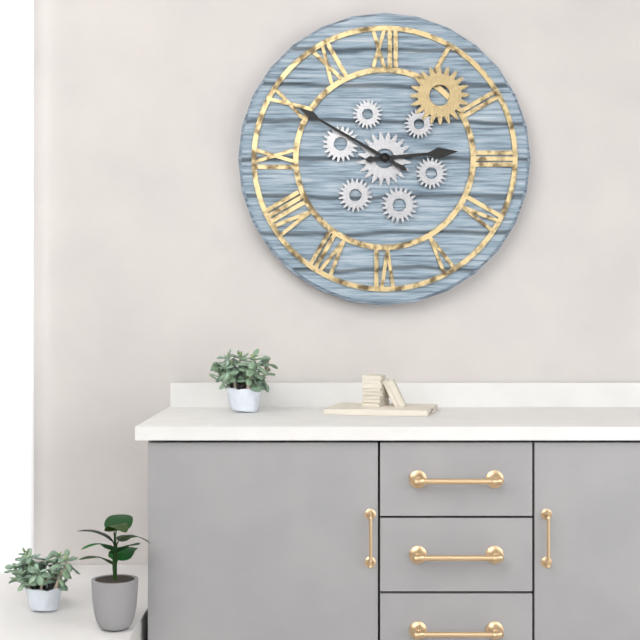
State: 2:50
